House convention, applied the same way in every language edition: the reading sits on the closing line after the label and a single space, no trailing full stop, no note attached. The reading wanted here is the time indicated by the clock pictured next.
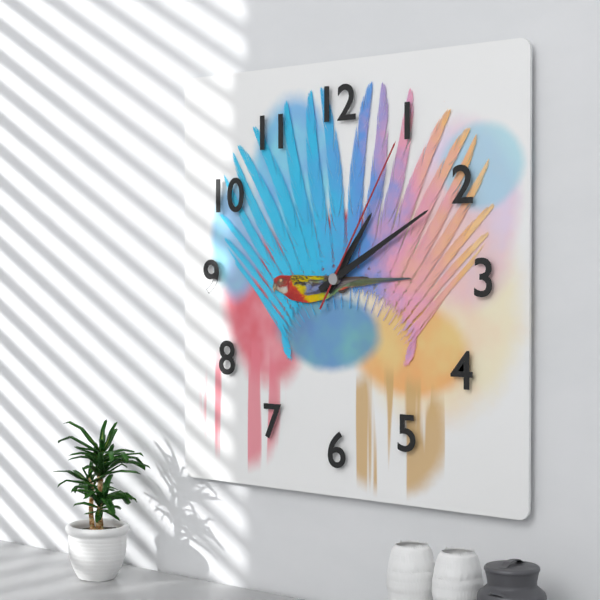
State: 1:10:05
